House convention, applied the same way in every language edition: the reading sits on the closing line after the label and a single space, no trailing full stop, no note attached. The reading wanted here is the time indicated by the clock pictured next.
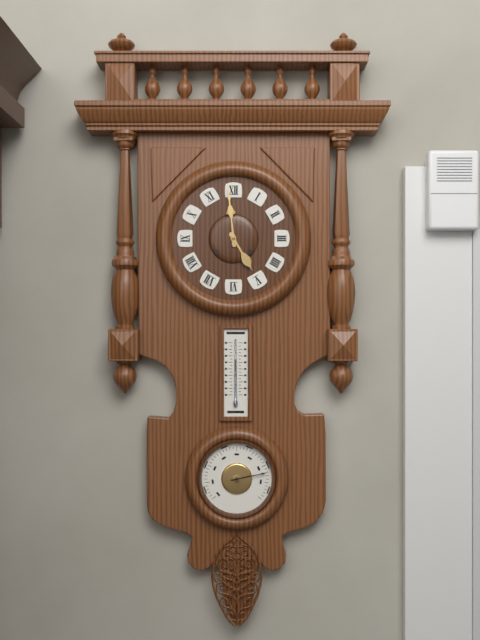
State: 4:59
